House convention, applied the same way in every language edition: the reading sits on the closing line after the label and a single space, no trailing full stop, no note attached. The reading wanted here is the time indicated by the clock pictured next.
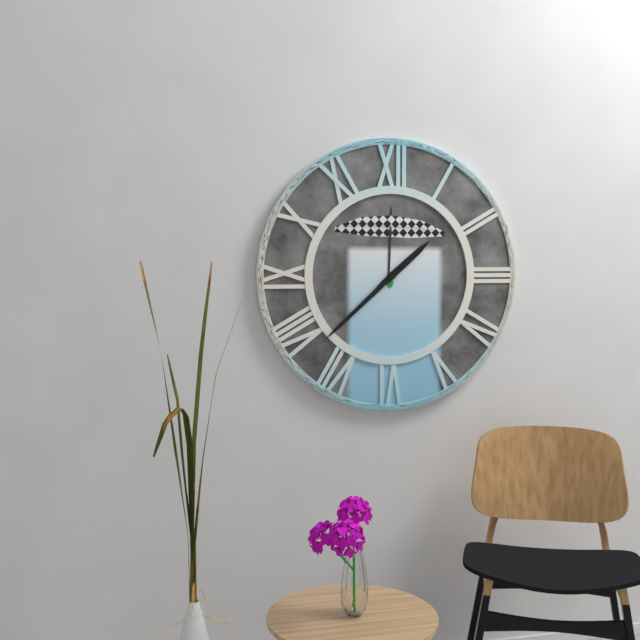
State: 1:38
